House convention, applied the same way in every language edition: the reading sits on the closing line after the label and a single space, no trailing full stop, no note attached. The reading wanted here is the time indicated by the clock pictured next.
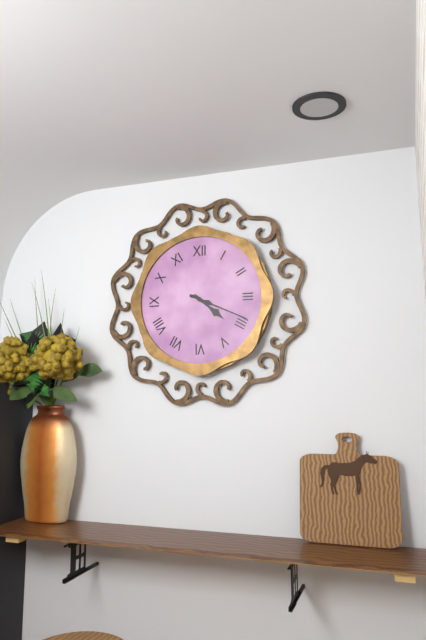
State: 4:19
